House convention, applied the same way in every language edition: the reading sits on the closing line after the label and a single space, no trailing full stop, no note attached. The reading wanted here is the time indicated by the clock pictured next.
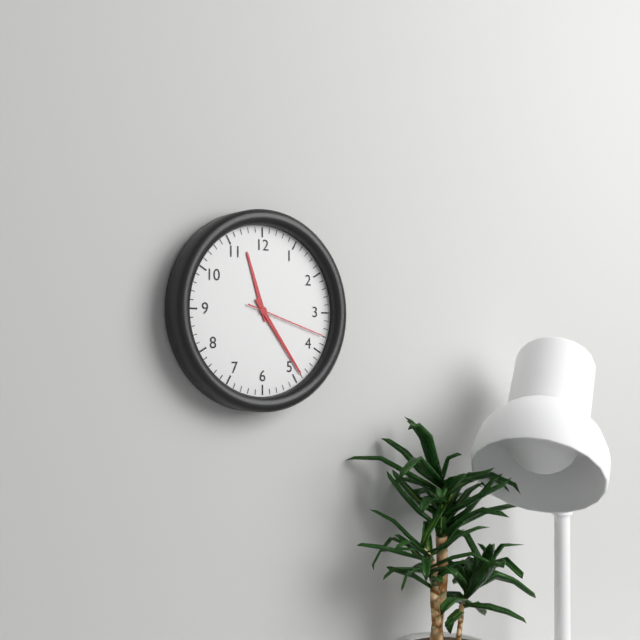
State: 11:24:18
